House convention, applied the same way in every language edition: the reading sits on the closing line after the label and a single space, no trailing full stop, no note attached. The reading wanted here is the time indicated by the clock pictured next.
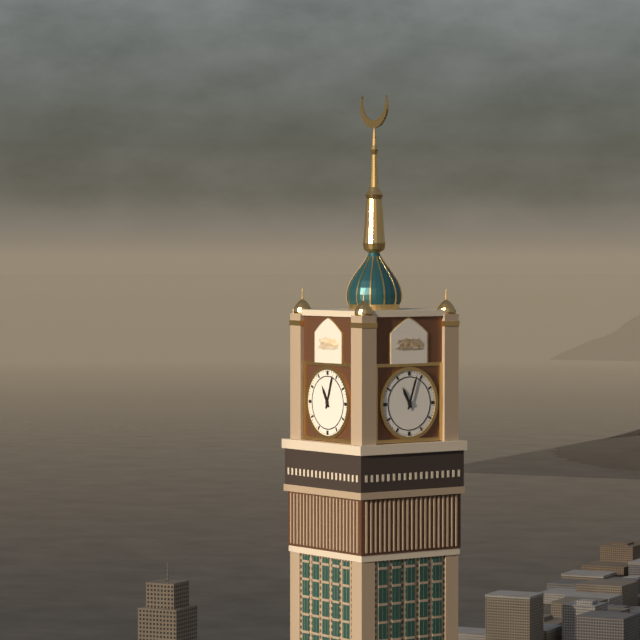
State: 11:03
